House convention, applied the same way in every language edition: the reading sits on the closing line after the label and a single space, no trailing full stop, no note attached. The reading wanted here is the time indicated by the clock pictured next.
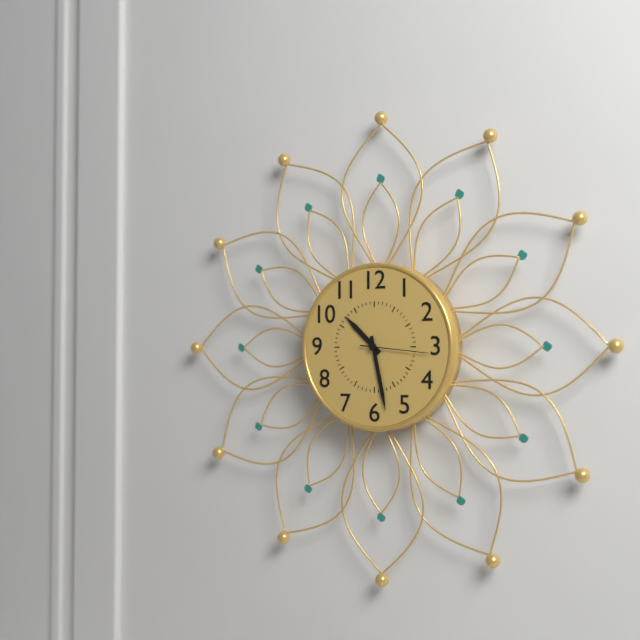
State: 10:28:16
